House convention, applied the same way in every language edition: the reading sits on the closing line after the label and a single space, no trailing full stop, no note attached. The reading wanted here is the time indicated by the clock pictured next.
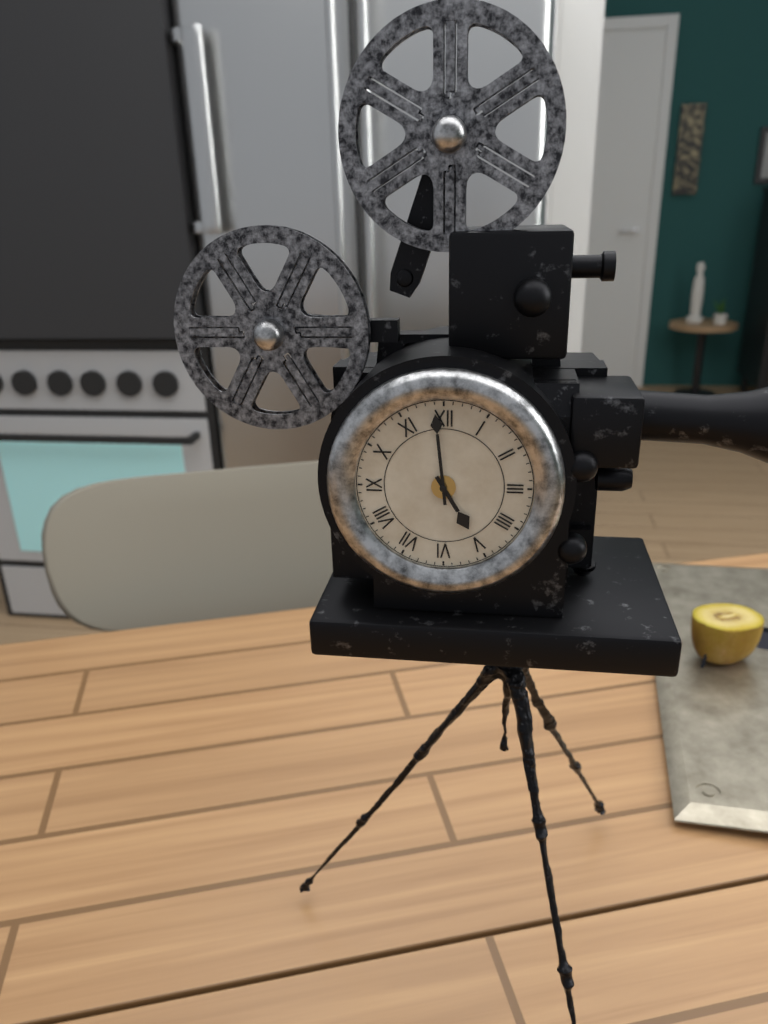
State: 4:59
